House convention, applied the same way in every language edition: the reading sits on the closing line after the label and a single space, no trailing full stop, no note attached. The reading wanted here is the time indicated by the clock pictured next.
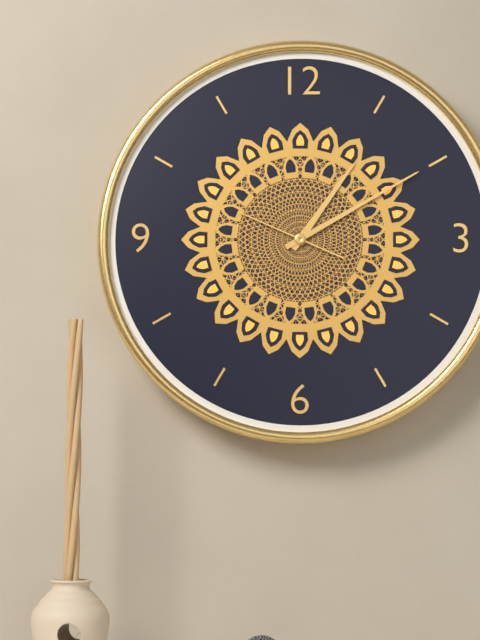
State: 1:10:49
